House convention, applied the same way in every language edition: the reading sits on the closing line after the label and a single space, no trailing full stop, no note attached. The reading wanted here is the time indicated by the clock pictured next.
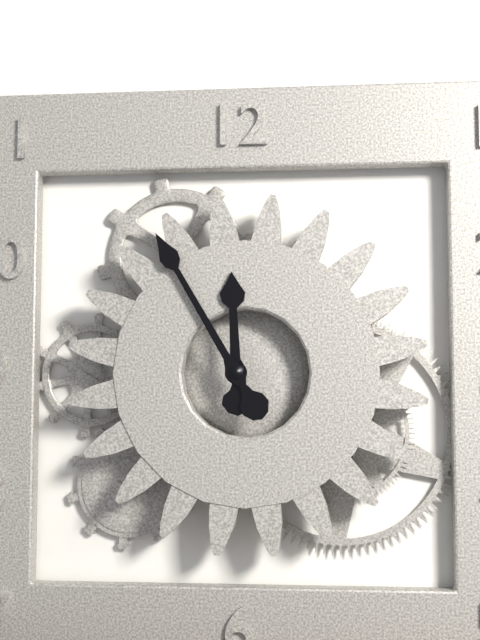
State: 11:55
